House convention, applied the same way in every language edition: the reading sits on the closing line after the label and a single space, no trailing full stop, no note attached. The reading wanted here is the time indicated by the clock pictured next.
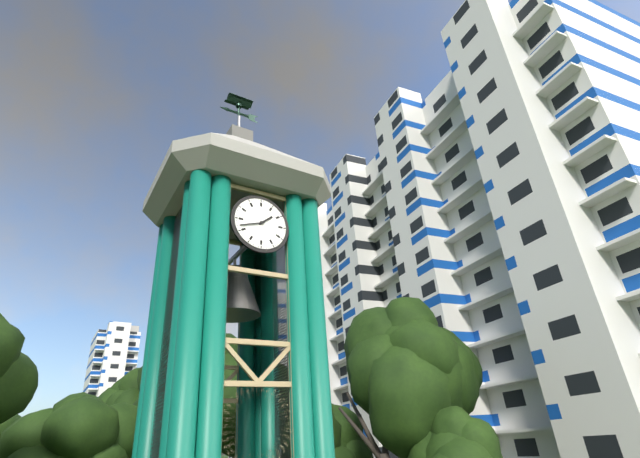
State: 1:42
